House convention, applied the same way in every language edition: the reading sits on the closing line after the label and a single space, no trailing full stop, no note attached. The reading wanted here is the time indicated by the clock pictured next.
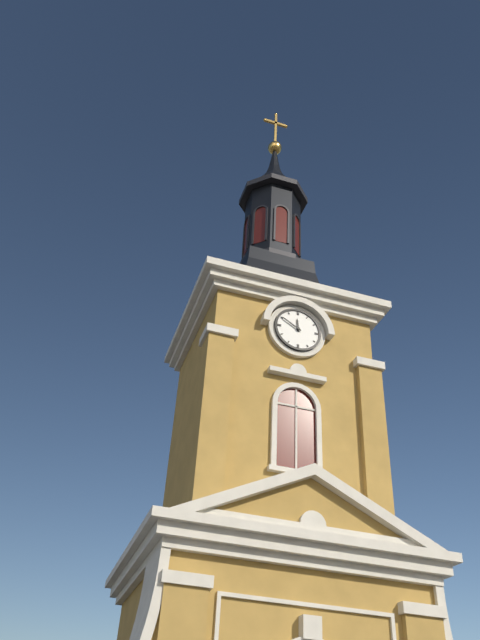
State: 11:50
